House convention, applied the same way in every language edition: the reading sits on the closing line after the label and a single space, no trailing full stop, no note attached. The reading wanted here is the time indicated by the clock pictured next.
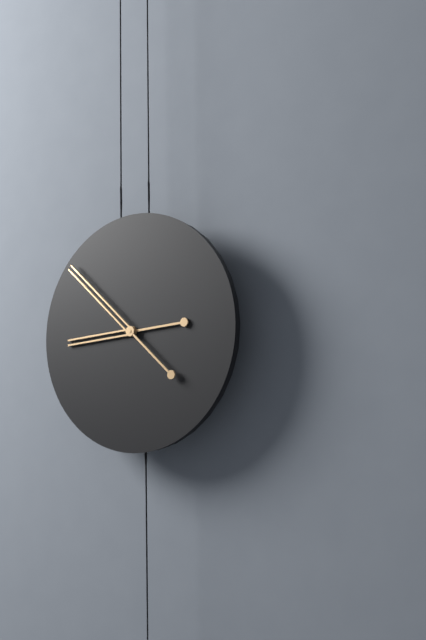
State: 8:52
